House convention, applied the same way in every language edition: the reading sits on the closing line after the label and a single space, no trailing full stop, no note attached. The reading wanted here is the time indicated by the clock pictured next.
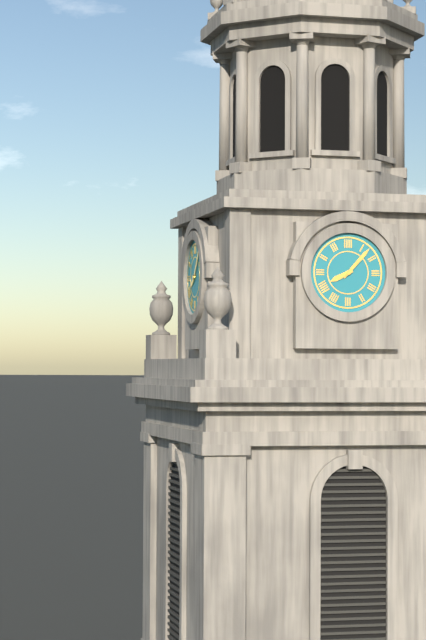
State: 8:07
